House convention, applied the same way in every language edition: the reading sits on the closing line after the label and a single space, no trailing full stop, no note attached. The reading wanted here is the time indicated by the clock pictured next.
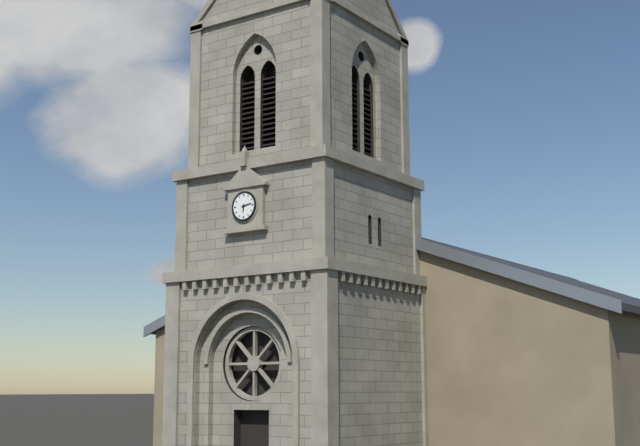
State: 6:13
